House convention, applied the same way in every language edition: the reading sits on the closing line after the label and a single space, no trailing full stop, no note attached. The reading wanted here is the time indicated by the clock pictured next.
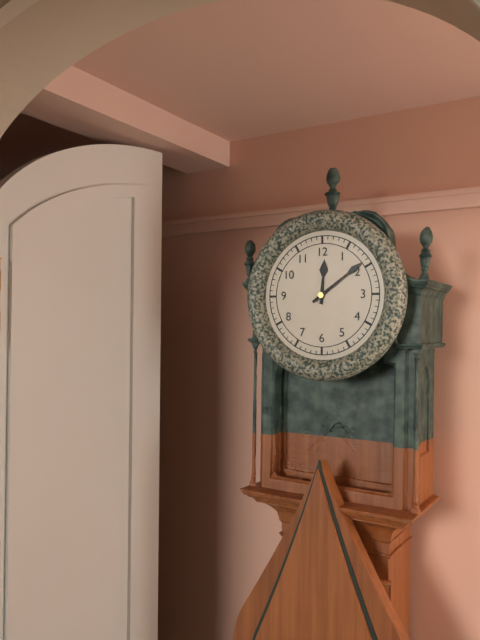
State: 12:09
